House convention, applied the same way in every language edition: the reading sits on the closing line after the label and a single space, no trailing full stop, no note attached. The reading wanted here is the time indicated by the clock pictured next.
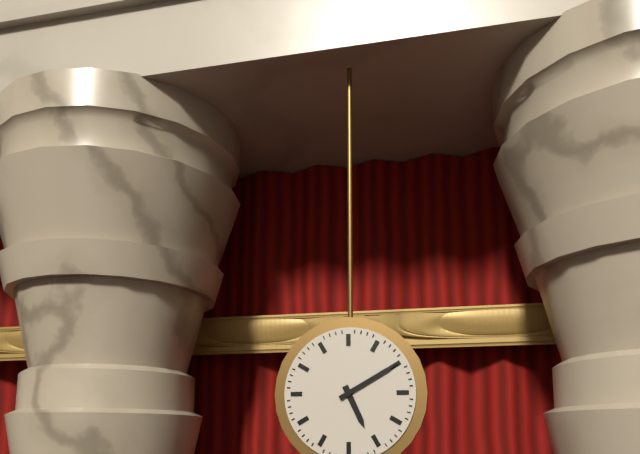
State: 5:10
